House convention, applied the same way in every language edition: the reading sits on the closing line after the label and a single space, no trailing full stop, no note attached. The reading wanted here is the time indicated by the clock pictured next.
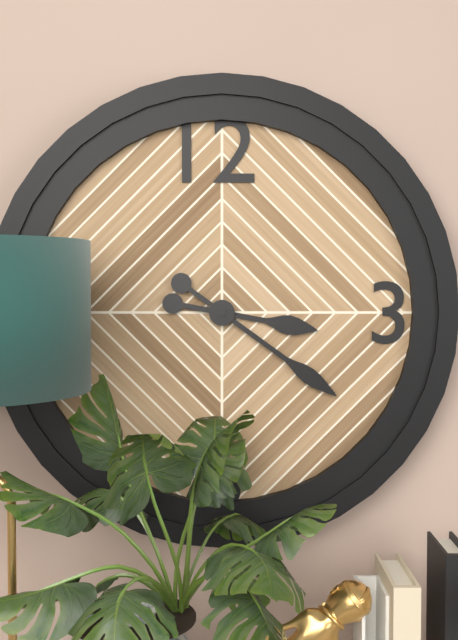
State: 3:21
